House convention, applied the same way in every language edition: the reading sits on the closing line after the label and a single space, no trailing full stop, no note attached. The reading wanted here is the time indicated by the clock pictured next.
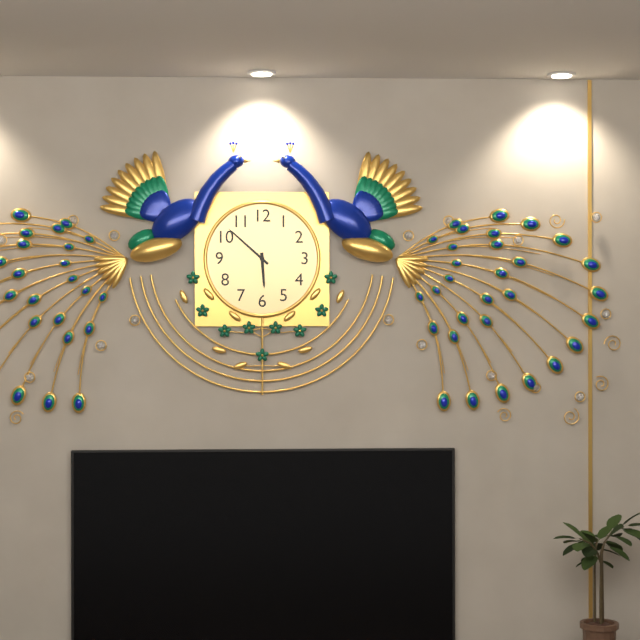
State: 5:52
